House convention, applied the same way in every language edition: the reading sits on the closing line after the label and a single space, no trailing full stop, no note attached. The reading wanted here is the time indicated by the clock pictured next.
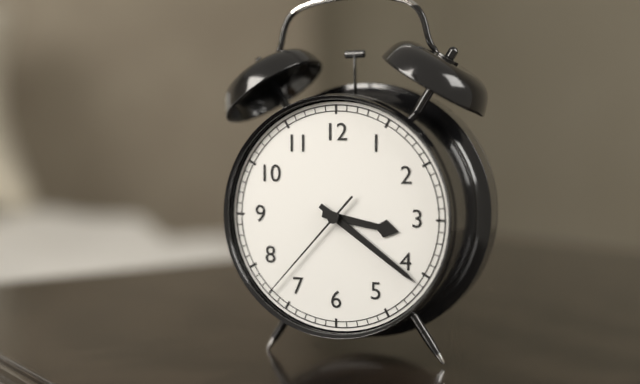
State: 3:21:37
